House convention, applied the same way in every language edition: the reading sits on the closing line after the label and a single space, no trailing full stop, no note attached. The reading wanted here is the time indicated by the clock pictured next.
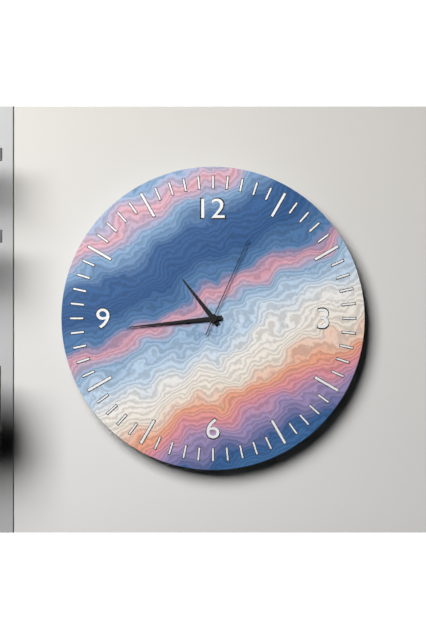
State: 10:44:04
